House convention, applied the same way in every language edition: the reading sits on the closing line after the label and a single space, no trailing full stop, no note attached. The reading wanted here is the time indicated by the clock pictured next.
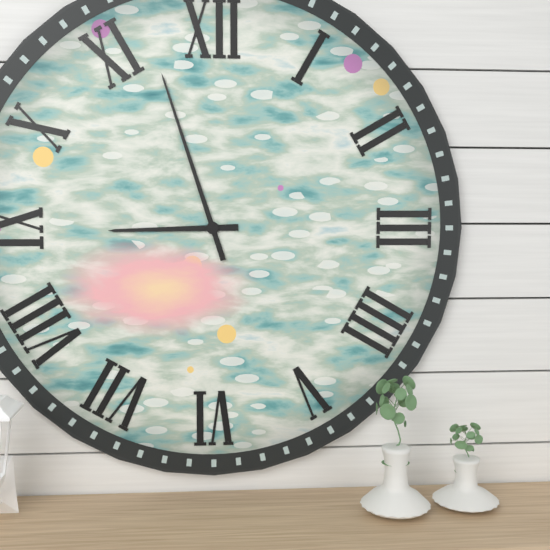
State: 8:57
